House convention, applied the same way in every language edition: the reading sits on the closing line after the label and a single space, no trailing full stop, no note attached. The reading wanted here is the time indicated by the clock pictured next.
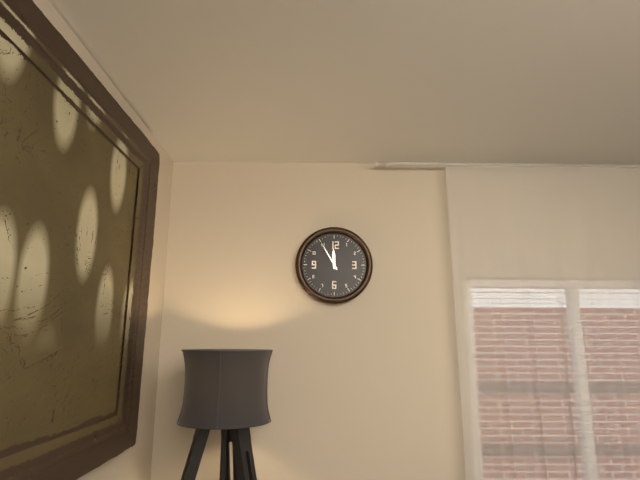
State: 11:55
